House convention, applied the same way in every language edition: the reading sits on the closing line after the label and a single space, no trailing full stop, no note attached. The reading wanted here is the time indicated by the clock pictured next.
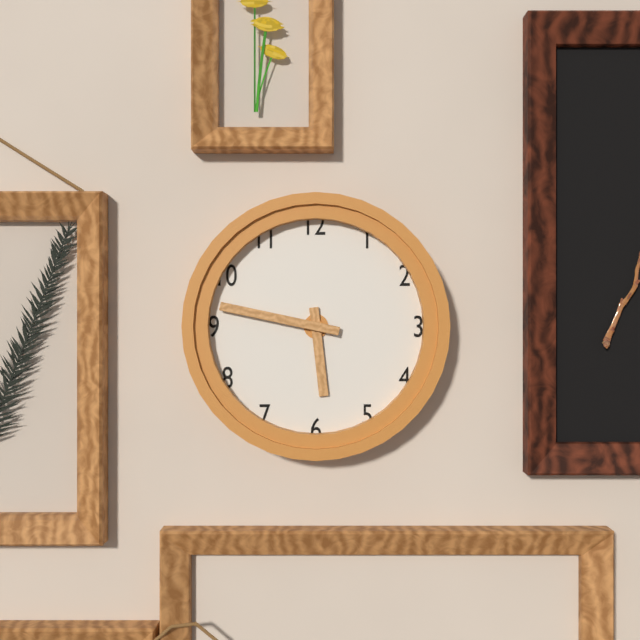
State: 5:47
